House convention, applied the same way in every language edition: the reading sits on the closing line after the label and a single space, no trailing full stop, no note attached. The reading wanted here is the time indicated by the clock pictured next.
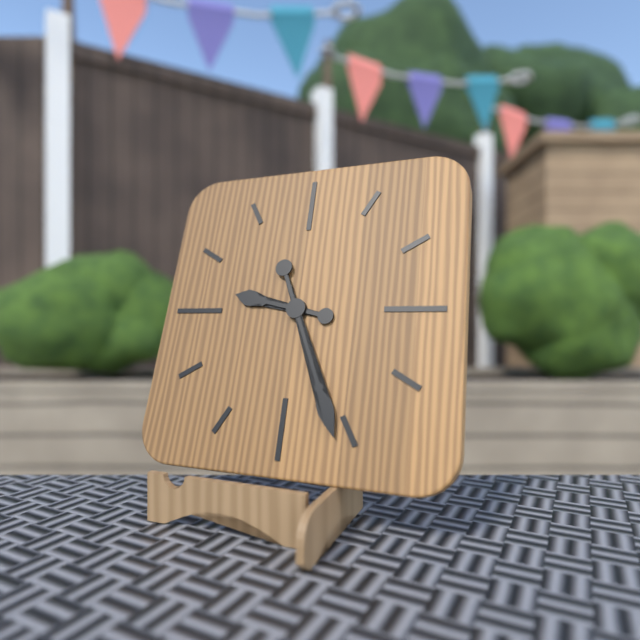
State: 9:26
